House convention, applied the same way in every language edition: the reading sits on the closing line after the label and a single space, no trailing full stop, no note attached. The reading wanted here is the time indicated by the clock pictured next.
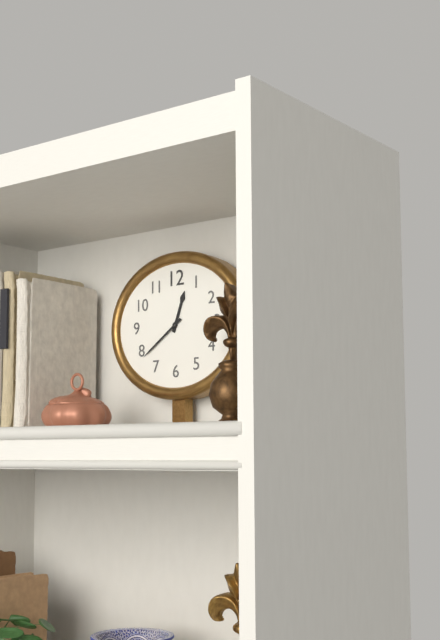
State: 12:39
